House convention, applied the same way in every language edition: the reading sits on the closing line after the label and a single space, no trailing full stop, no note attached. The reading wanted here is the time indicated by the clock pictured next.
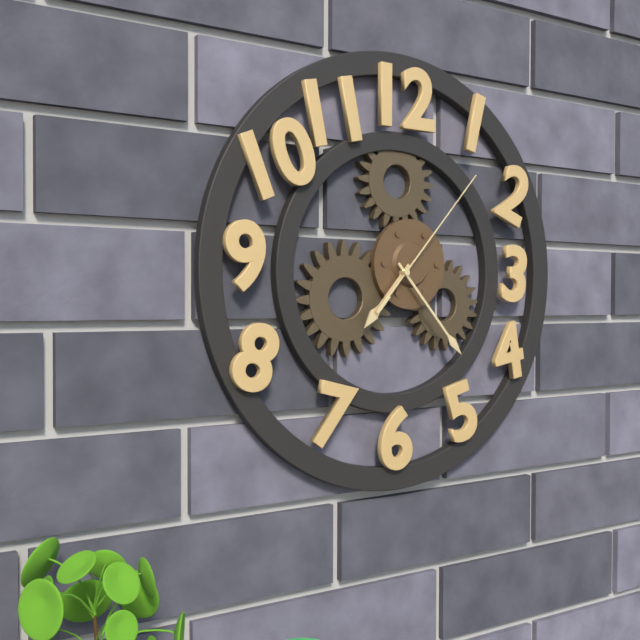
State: 7:23:07
